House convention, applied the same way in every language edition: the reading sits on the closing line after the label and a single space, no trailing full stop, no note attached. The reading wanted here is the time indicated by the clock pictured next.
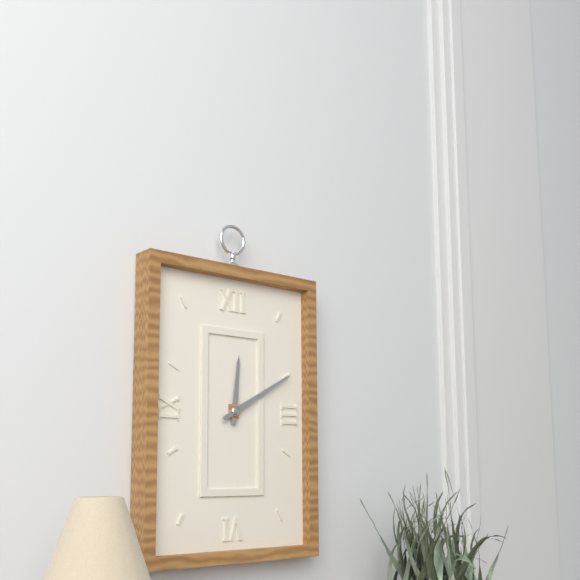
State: 12:10
